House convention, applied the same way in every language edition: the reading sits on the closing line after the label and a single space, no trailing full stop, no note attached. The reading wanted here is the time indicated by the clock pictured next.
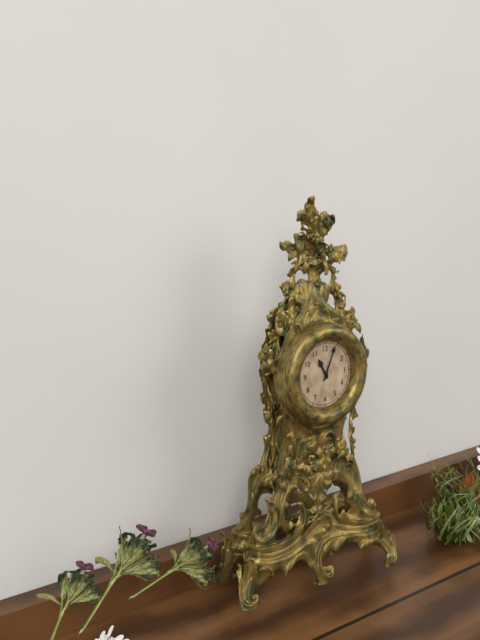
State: 11:04
